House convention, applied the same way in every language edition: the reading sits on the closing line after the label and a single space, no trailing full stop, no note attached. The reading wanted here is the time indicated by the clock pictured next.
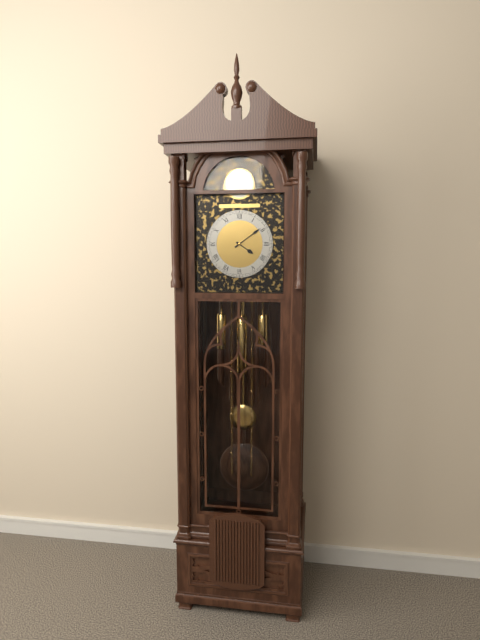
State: 4:09
